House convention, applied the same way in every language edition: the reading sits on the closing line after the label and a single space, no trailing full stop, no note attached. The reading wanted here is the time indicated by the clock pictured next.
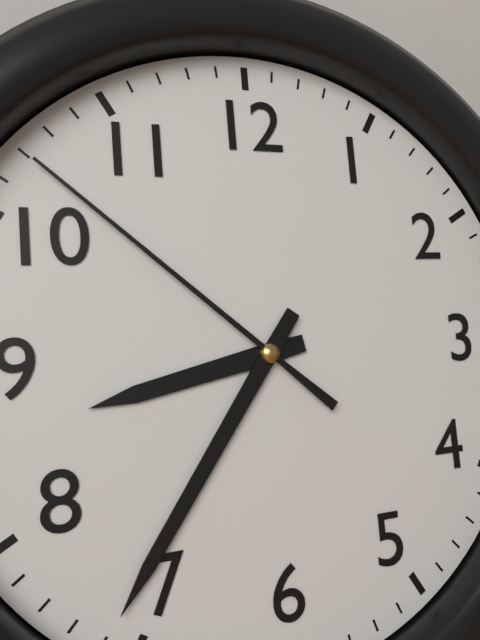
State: 8:36:52
